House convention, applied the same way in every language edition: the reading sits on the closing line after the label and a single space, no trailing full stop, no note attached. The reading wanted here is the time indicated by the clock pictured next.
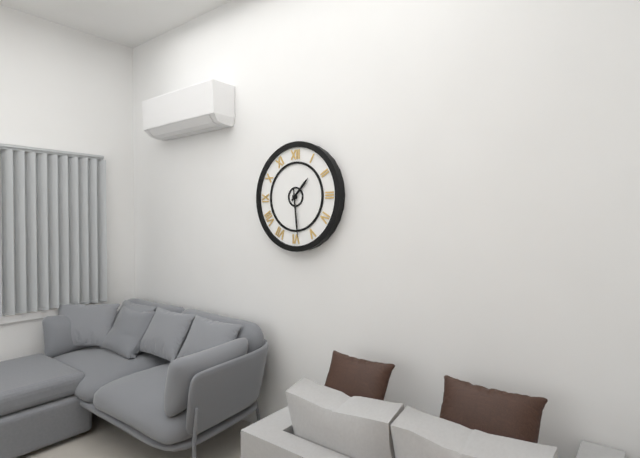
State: 1:29
